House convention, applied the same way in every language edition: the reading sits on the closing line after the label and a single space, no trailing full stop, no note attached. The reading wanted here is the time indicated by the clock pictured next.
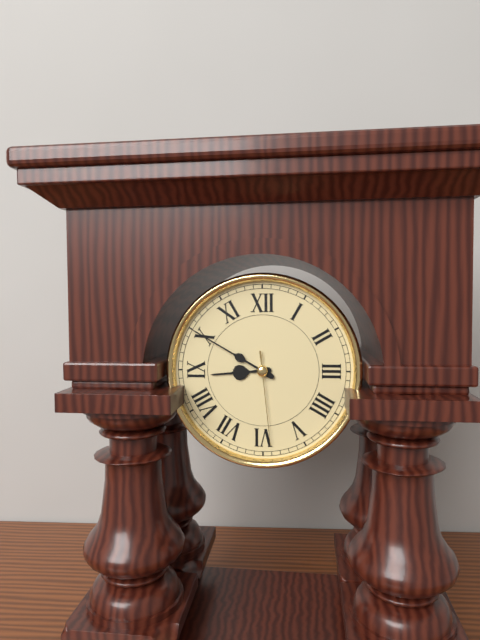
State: 8:50:29
